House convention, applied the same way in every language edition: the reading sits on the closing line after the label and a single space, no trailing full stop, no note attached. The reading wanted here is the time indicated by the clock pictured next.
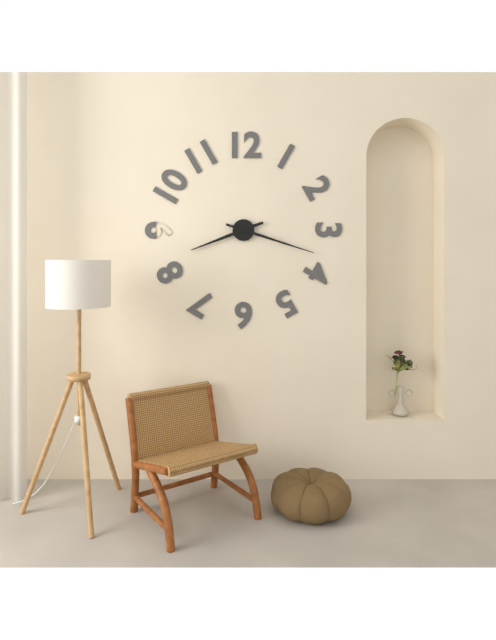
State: 8:18
